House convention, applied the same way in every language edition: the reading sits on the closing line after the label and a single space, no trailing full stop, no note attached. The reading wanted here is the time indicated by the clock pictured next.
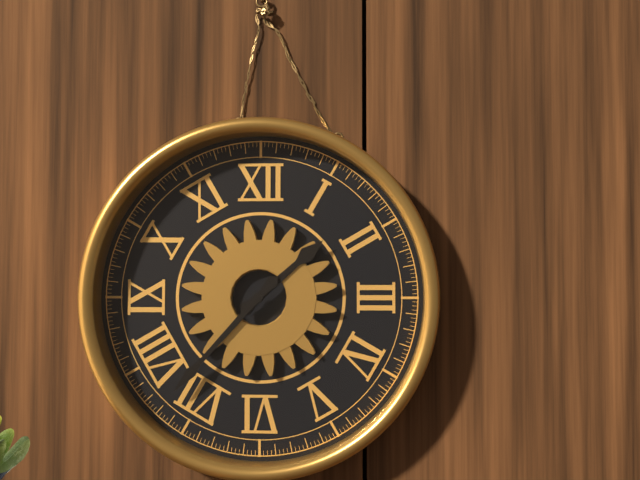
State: 1:37
